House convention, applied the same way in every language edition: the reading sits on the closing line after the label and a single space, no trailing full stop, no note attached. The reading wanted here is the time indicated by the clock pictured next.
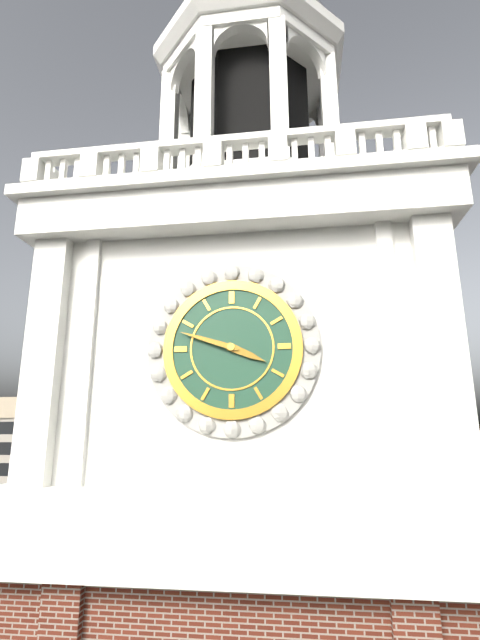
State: 3:48
